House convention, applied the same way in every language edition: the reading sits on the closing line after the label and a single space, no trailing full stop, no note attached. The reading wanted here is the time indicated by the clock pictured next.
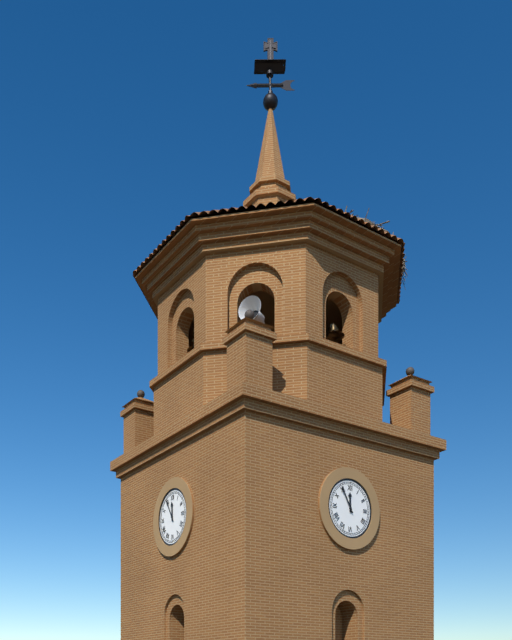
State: 11:55
